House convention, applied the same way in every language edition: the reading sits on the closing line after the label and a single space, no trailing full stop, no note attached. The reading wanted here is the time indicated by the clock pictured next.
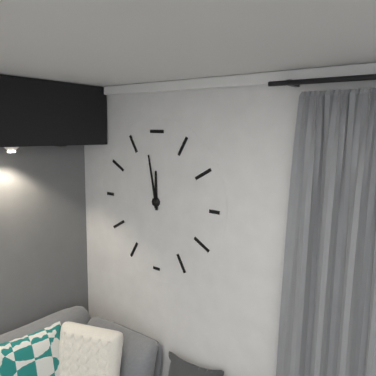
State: 11:58
